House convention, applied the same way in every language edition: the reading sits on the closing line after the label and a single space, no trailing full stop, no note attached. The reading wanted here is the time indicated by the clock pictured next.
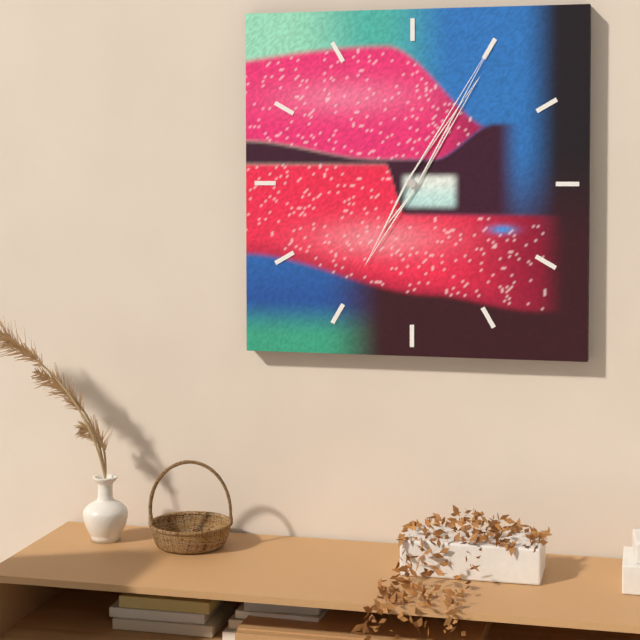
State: 1:05
